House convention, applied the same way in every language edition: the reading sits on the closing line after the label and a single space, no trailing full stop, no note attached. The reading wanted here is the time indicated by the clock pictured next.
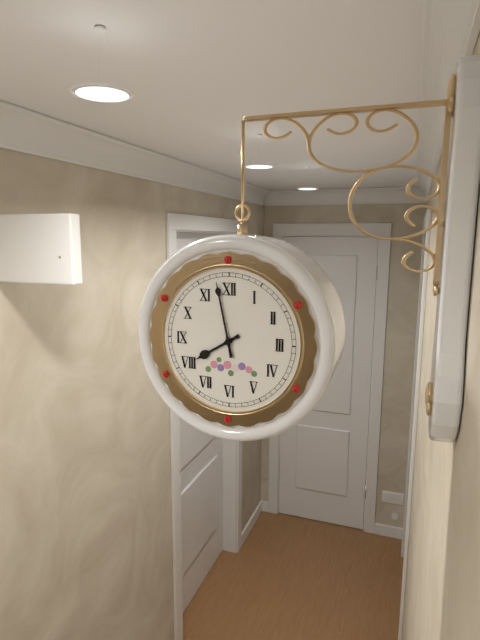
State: 7:58
